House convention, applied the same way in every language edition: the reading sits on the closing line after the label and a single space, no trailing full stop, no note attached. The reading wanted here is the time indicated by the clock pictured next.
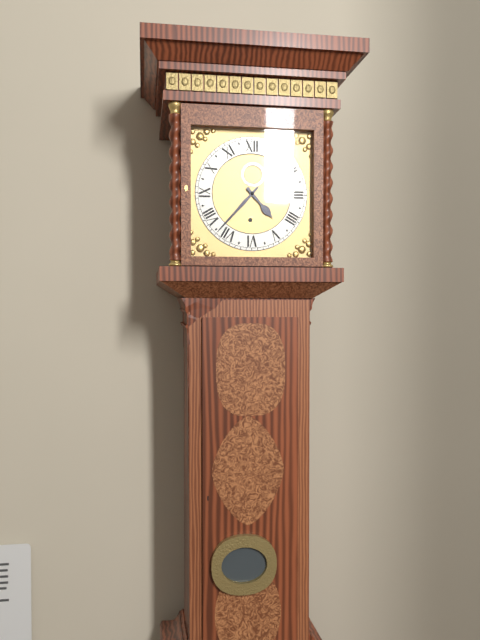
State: 4:37
